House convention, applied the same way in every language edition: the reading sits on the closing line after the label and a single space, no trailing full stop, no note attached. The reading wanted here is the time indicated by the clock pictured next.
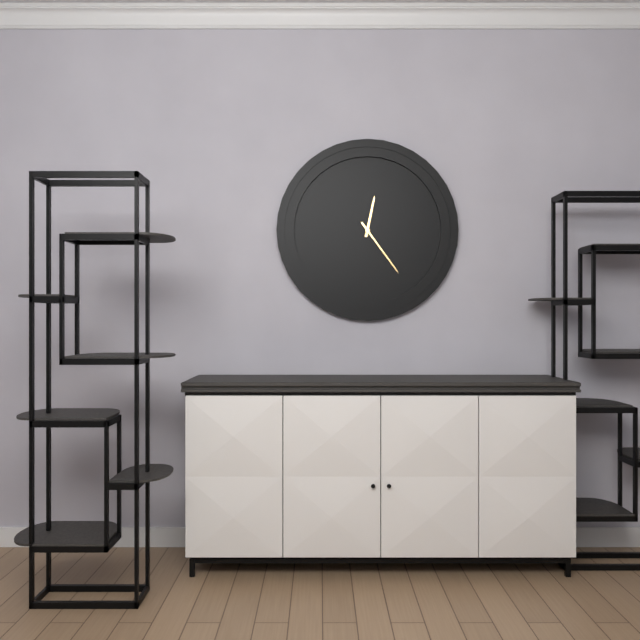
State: 12:24
